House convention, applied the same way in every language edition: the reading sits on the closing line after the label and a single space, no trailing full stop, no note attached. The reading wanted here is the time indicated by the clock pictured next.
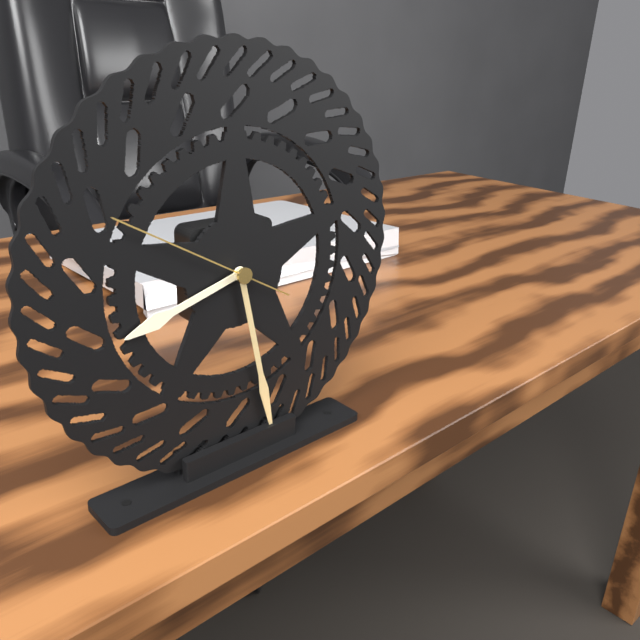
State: 8:28:50
